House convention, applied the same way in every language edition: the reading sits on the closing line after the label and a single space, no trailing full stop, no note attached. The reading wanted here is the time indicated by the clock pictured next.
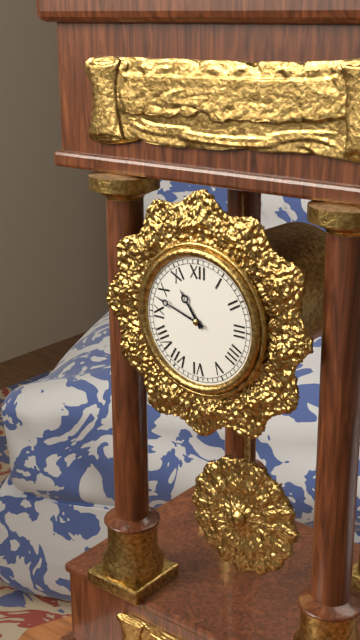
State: 10:48
